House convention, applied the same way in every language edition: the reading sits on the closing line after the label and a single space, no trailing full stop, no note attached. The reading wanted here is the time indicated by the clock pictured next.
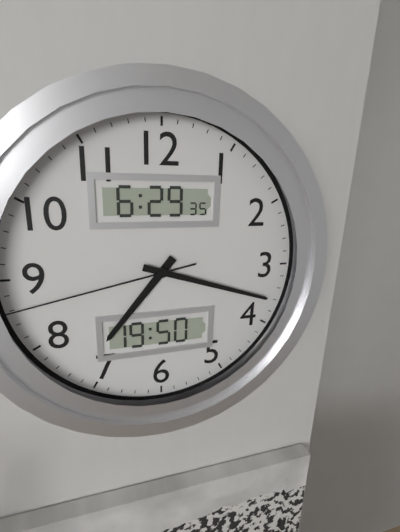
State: 7:18:43
